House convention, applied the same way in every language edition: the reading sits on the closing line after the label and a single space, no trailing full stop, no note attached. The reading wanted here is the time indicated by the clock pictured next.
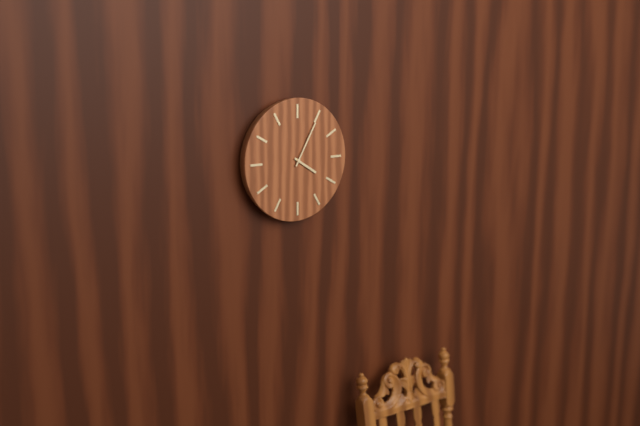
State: 4:05
